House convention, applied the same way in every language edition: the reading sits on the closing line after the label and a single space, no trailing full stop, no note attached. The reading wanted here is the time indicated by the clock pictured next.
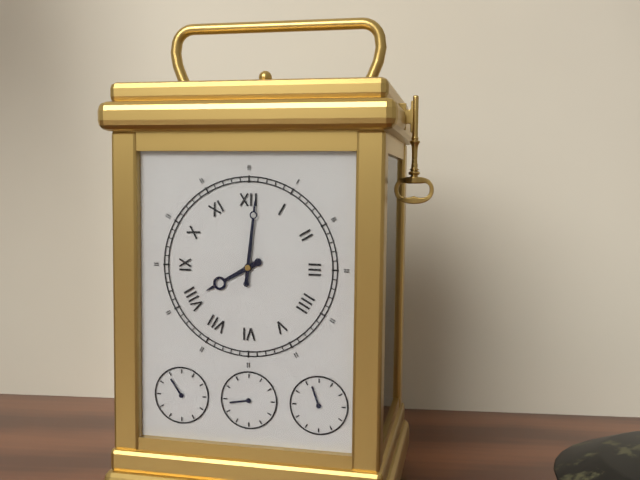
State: 8:01
